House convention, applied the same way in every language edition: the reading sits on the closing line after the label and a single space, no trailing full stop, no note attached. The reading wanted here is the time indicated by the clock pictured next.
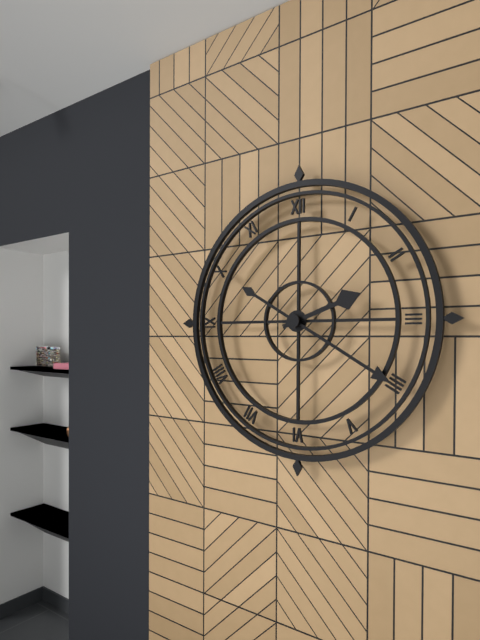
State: 2:20
